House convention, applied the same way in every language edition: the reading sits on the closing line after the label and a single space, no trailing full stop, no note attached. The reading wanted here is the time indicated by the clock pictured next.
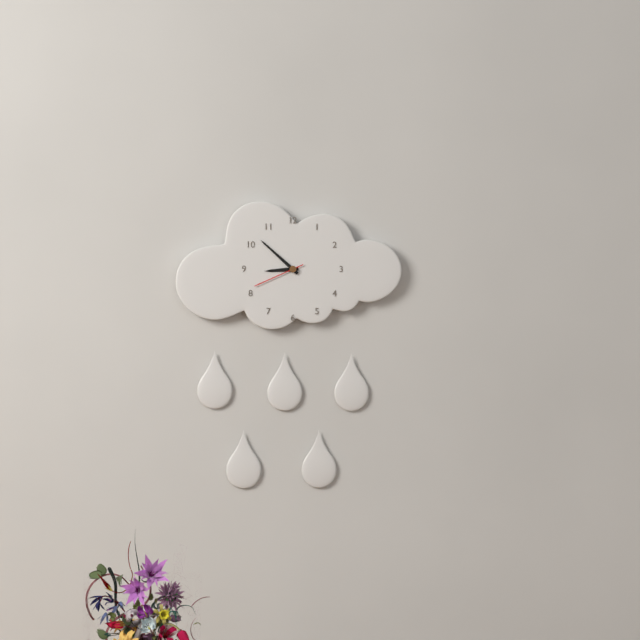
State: 8:52:41
